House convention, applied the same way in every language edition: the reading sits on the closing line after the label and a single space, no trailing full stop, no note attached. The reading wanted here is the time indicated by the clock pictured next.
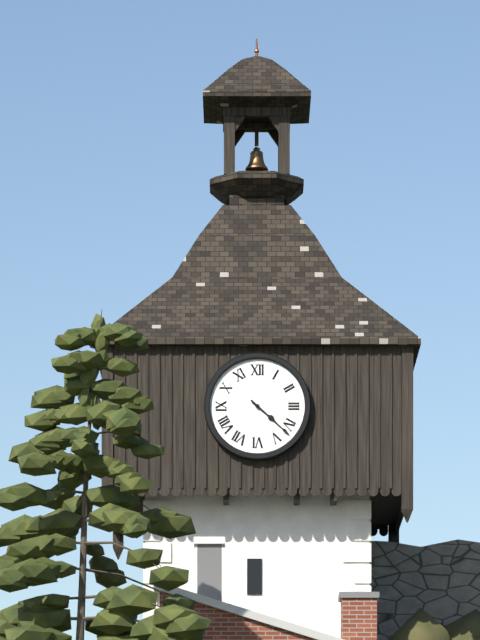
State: 4:22
